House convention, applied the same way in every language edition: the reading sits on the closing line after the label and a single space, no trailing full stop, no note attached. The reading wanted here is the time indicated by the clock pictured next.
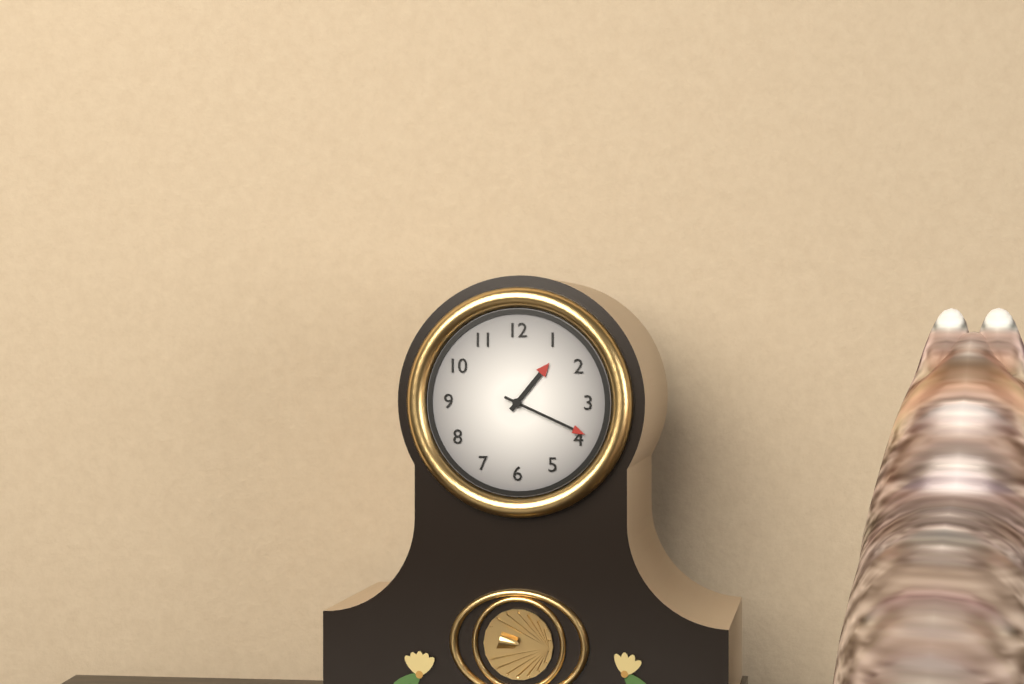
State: 1:19
